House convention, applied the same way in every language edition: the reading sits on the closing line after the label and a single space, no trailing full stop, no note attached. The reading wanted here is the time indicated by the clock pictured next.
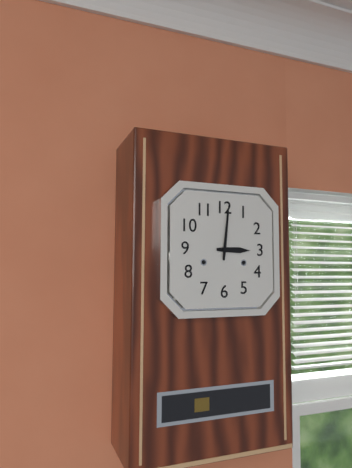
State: 3:01
